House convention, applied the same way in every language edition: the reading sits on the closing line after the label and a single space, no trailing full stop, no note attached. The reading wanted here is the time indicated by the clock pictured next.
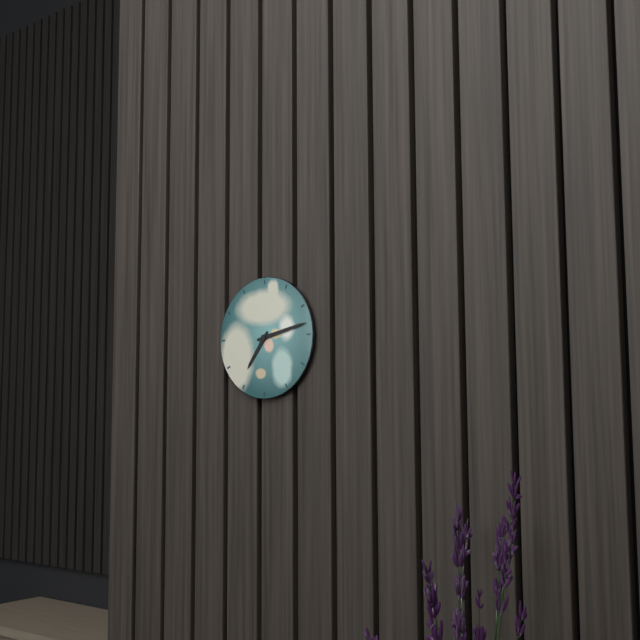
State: 7:13
